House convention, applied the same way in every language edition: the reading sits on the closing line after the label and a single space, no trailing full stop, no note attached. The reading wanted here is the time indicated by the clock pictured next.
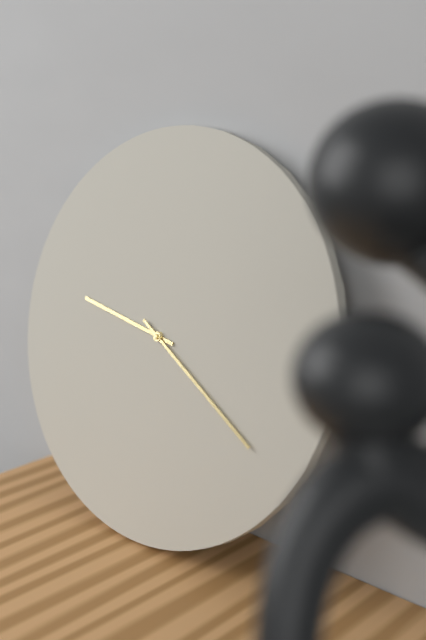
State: 9:20
